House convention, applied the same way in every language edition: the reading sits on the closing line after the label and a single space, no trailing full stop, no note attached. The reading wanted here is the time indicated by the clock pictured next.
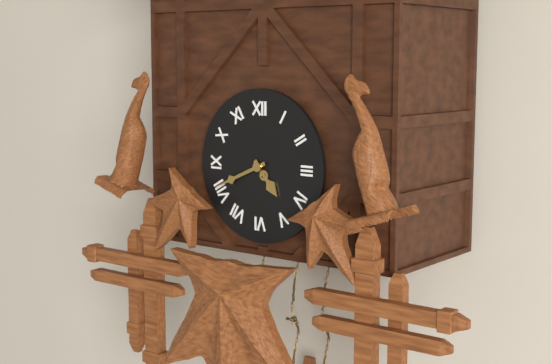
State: 4:41
